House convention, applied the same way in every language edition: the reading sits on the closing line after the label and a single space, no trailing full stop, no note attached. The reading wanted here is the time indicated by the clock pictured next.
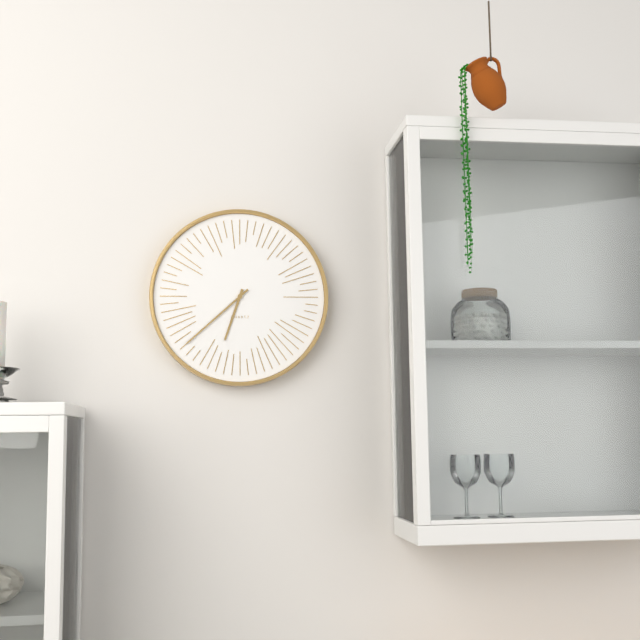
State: 6:38
